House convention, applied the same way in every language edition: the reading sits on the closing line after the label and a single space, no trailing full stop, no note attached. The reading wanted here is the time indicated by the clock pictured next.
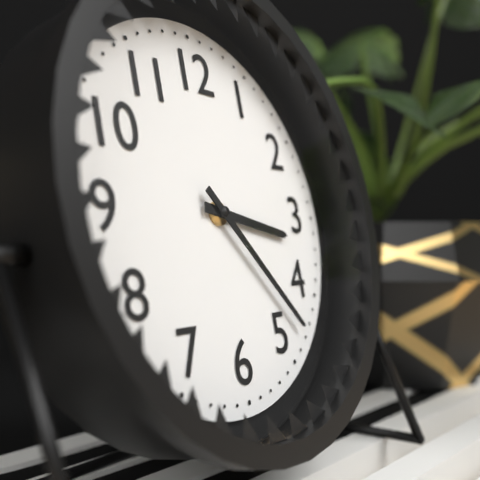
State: 3:23
